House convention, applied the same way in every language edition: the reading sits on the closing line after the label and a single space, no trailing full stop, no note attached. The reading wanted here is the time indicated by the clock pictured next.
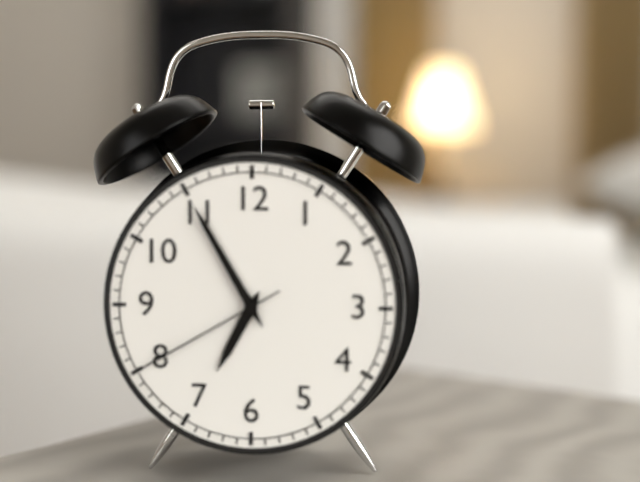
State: 6:55:40
